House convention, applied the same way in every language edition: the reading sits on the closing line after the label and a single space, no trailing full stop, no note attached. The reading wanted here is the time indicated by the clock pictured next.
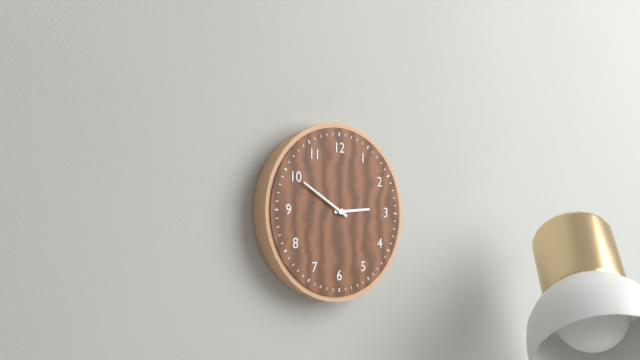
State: 2:50
